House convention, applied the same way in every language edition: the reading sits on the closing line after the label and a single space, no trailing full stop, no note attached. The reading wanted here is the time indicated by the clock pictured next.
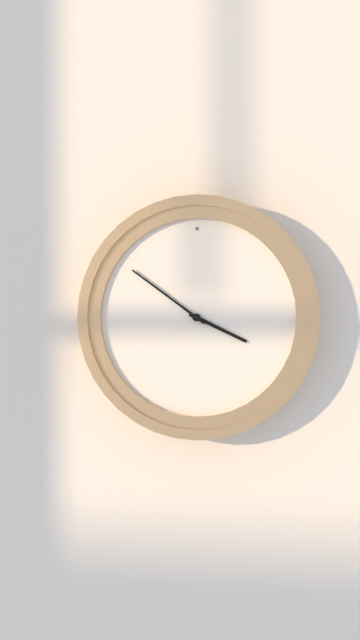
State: 3:51
